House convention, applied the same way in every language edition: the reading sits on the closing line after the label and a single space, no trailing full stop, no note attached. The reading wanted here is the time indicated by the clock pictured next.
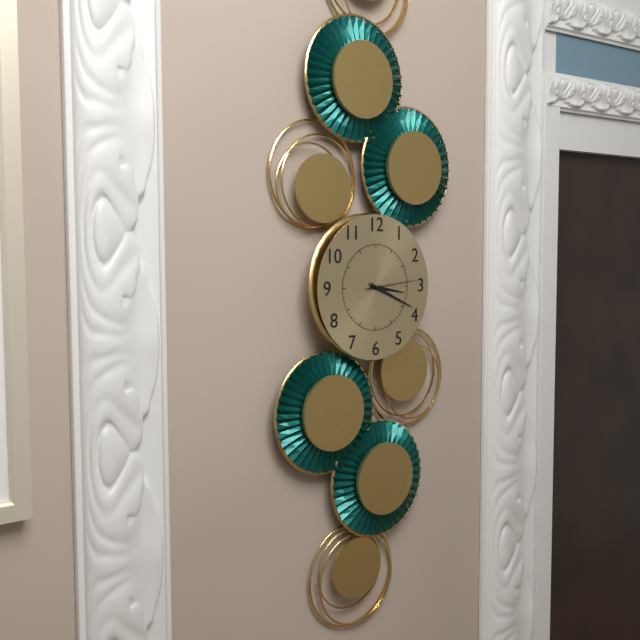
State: 3:19:14
